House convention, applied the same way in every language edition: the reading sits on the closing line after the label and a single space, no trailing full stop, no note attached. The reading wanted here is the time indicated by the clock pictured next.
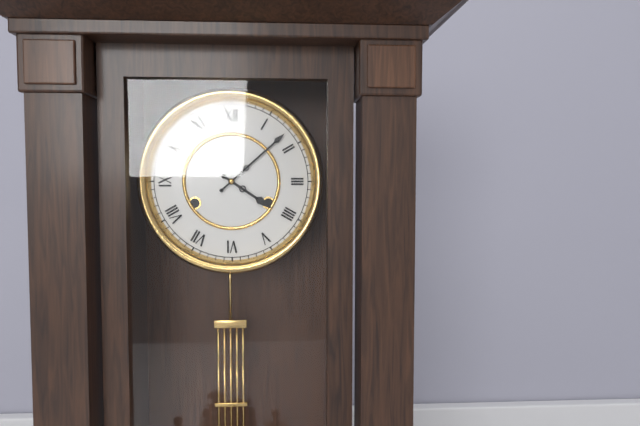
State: 4:08
